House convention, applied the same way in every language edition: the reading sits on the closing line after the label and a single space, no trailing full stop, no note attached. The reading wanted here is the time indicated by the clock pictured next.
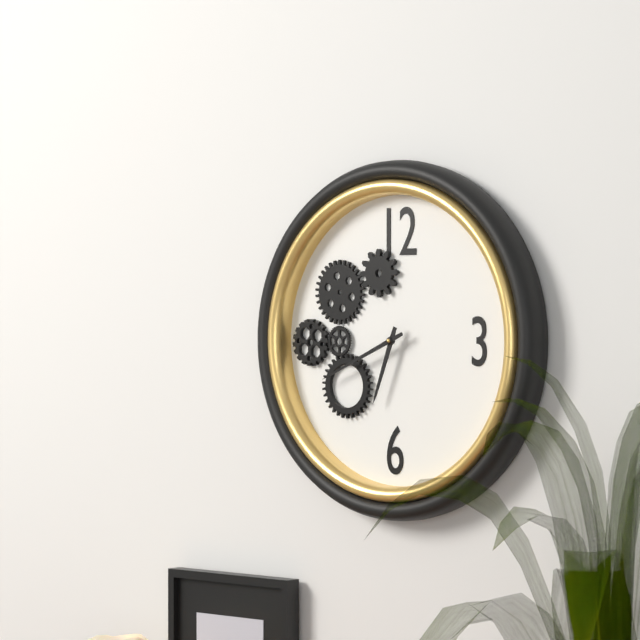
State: 6:41
